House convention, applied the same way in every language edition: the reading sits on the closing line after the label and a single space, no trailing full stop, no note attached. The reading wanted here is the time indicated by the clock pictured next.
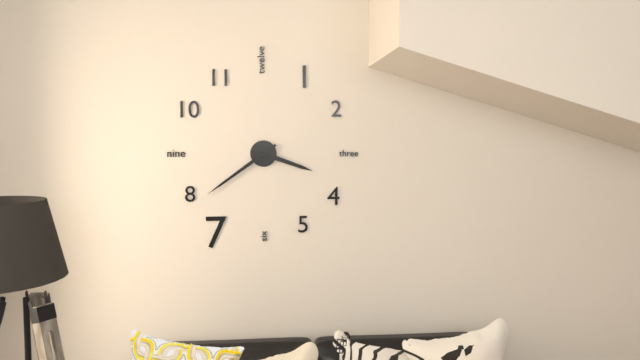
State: 3:39
